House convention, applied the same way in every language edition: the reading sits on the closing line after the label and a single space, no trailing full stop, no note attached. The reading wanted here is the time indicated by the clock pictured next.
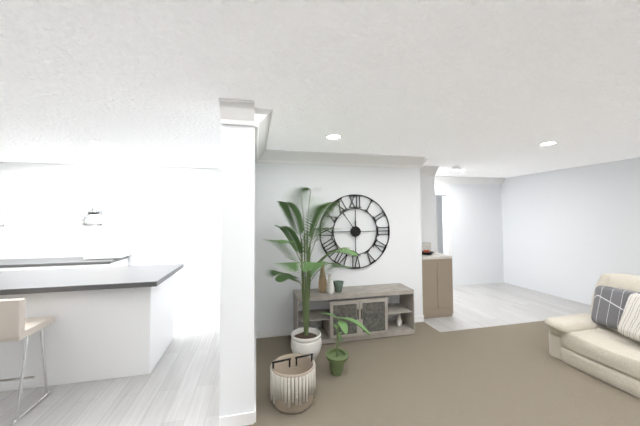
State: 11:54
